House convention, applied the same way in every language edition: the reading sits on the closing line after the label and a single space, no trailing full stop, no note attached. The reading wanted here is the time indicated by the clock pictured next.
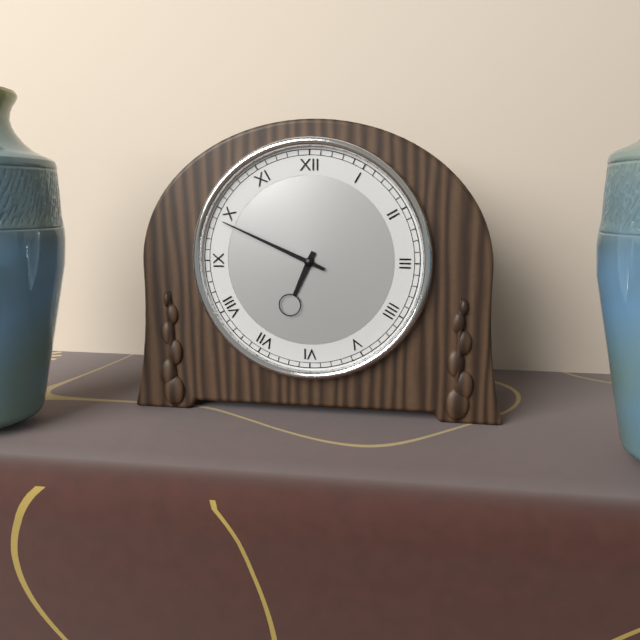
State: 6:49
